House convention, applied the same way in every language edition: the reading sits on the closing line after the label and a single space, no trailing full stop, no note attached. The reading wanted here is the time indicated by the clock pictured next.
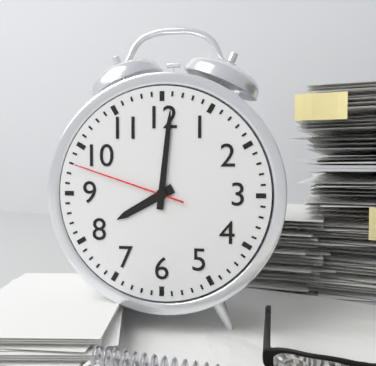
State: 8:01:48
